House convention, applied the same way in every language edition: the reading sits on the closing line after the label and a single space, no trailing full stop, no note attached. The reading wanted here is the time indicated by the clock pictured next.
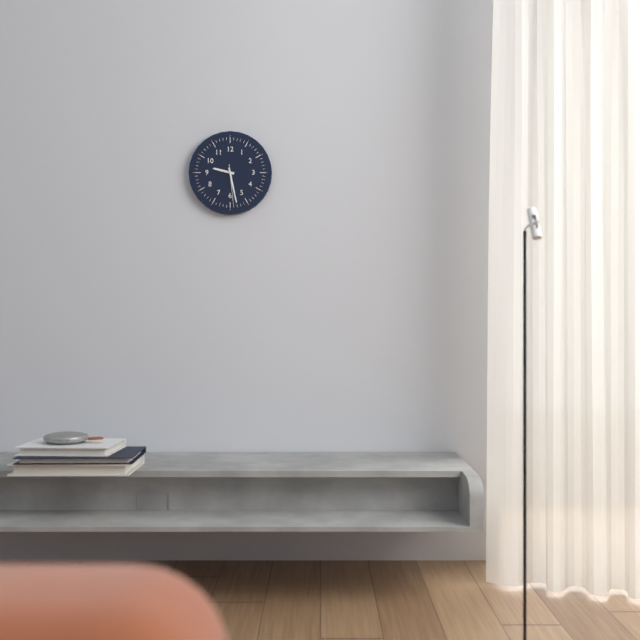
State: 9:28
